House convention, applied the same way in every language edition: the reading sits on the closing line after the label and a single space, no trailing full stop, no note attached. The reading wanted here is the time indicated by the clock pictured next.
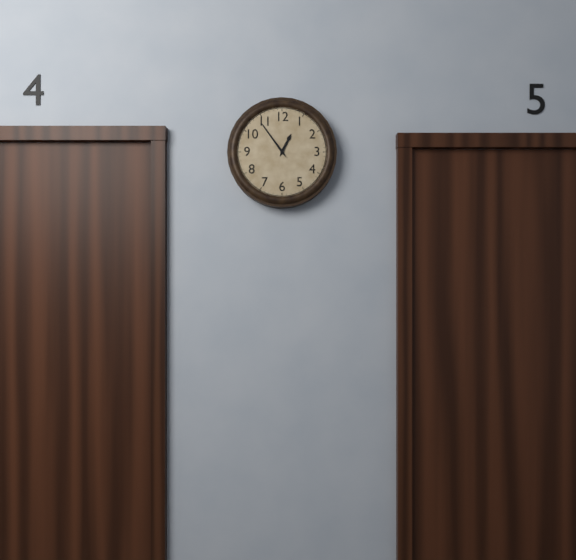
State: 12:54
